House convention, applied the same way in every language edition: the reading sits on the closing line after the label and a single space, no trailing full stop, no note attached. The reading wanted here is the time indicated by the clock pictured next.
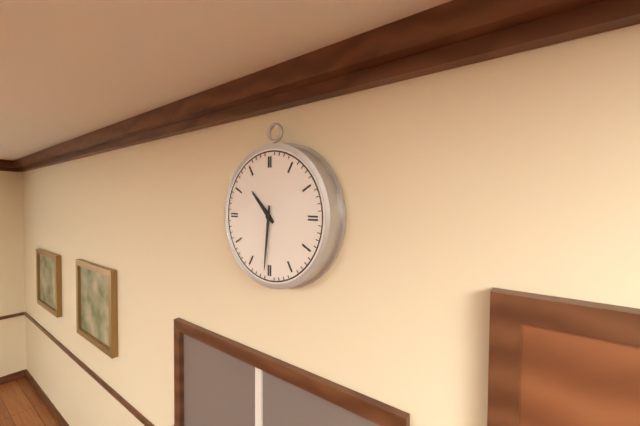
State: 10:31
